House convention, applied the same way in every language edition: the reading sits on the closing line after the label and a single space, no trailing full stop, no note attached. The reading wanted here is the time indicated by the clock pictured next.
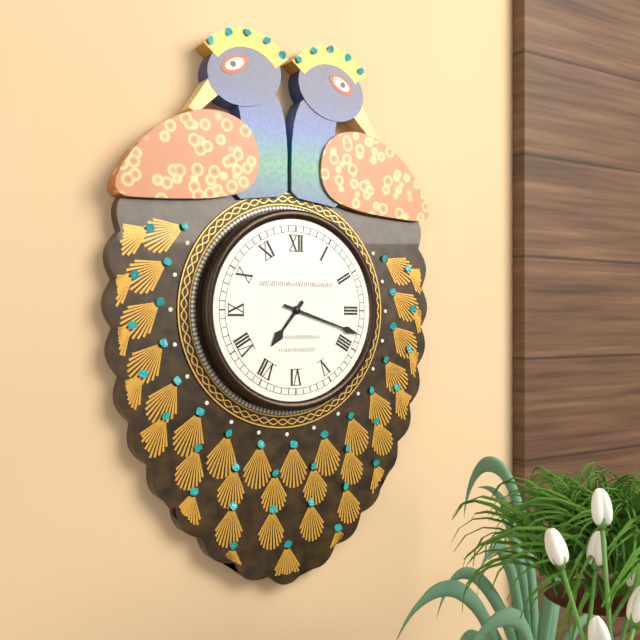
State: 7:18
